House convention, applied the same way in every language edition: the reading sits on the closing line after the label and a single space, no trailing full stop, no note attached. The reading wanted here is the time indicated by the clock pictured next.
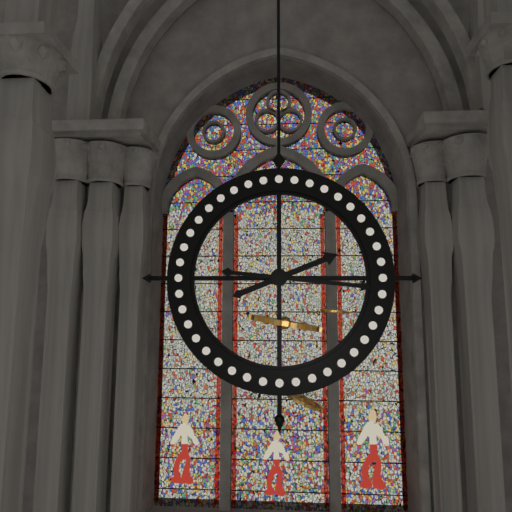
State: 2:16
